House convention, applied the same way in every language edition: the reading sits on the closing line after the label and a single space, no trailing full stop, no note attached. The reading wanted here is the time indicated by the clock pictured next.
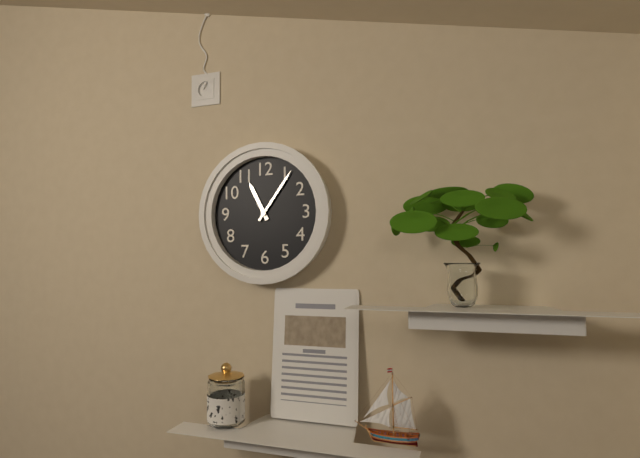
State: 11:06
